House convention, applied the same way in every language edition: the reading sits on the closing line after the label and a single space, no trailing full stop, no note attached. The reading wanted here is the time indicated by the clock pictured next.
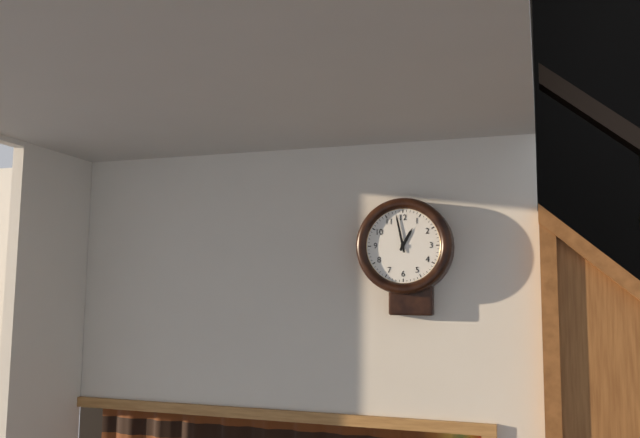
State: 12:58
